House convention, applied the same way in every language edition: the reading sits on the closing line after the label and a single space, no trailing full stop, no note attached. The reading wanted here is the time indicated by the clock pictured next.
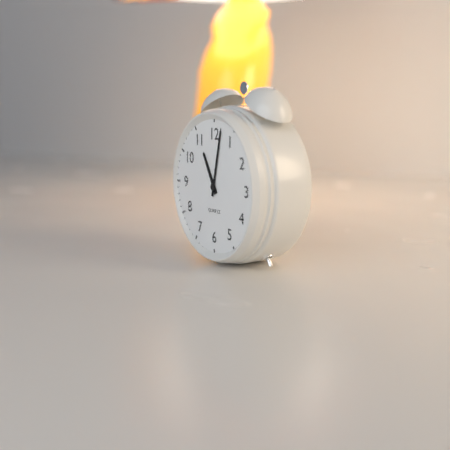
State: 11:02
